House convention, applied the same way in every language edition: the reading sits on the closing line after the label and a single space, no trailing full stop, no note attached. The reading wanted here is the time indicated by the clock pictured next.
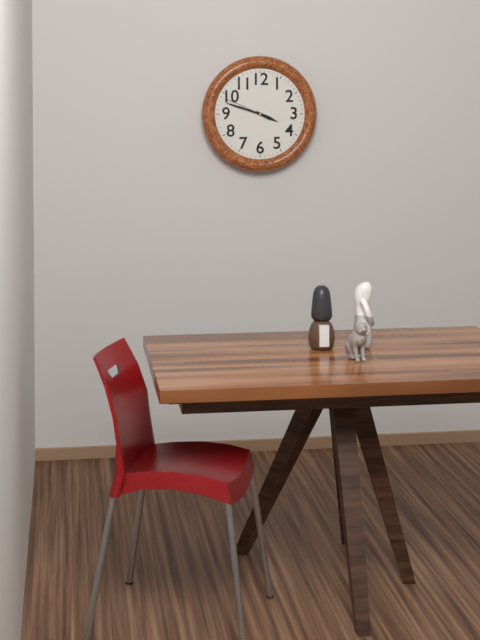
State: 3:48
